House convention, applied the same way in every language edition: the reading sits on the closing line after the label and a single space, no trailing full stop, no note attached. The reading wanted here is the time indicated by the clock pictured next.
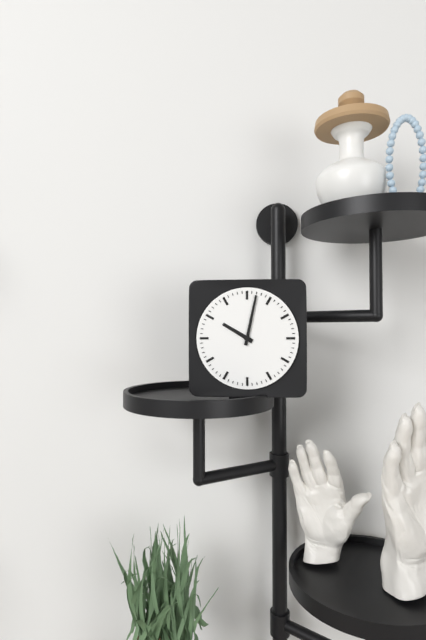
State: 10:02
